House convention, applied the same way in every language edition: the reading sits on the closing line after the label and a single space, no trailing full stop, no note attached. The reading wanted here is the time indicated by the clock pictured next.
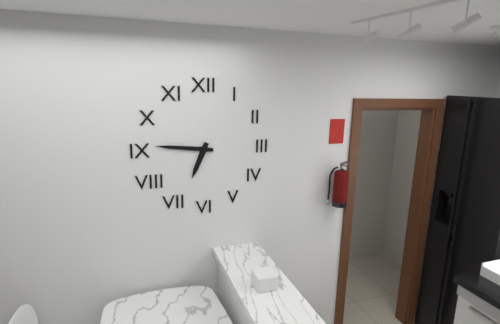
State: 6:46
